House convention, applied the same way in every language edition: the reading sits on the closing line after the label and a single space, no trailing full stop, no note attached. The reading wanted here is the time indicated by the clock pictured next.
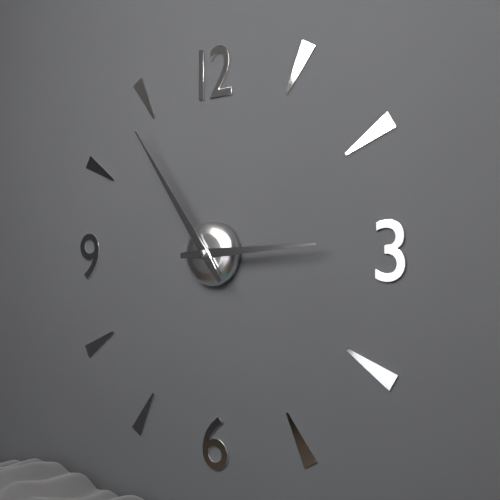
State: 2:54
